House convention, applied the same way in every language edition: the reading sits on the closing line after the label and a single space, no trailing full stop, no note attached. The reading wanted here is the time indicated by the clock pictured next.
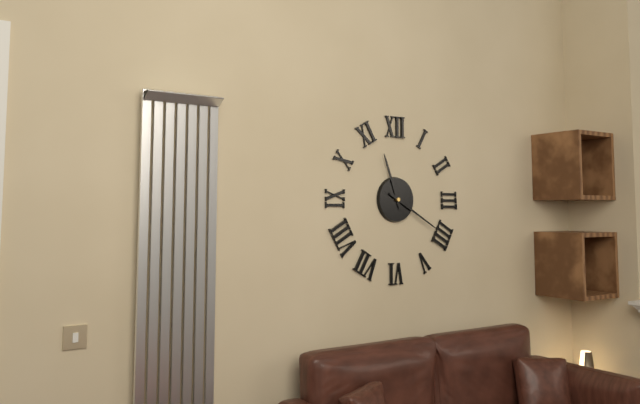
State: 11:20
